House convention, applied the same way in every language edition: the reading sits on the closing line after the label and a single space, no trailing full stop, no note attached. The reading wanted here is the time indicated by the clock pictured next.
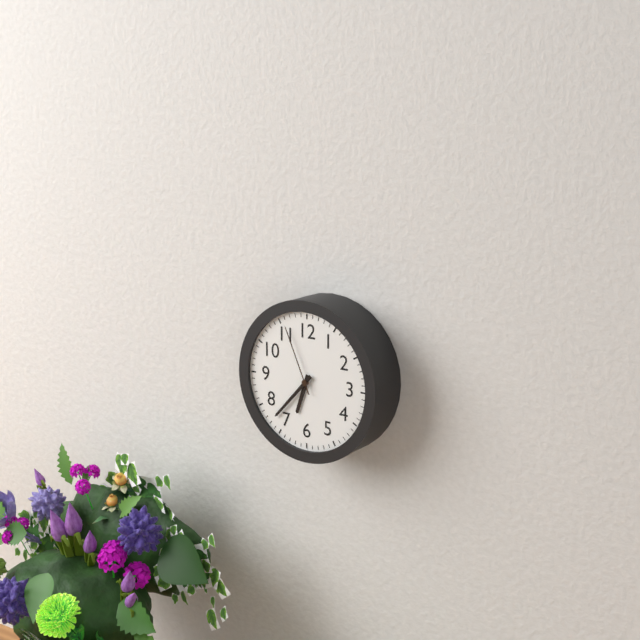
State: 6:37:56
